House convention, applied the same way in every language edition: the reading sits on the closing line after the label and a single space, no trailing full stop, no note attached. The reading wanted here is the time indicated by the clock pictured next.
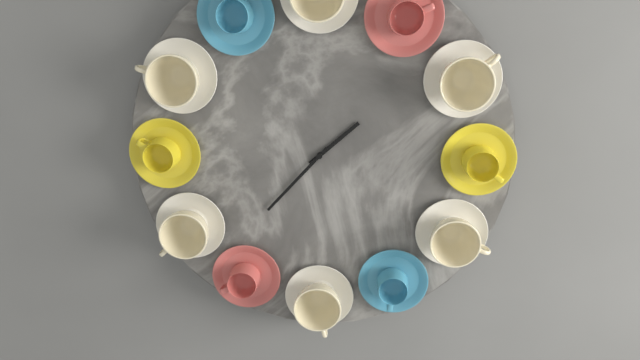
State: 1:37
